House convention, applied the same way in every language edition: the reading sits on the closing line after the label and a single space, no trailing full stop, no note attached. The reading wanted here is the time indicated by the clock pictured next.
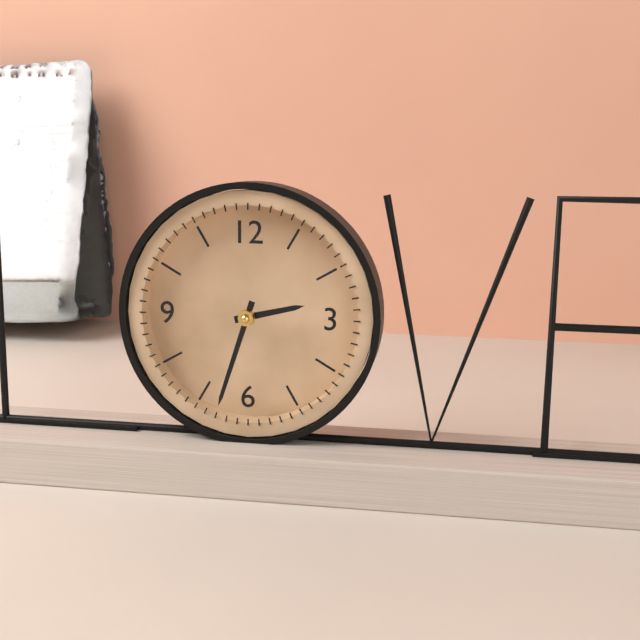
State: 2:33
